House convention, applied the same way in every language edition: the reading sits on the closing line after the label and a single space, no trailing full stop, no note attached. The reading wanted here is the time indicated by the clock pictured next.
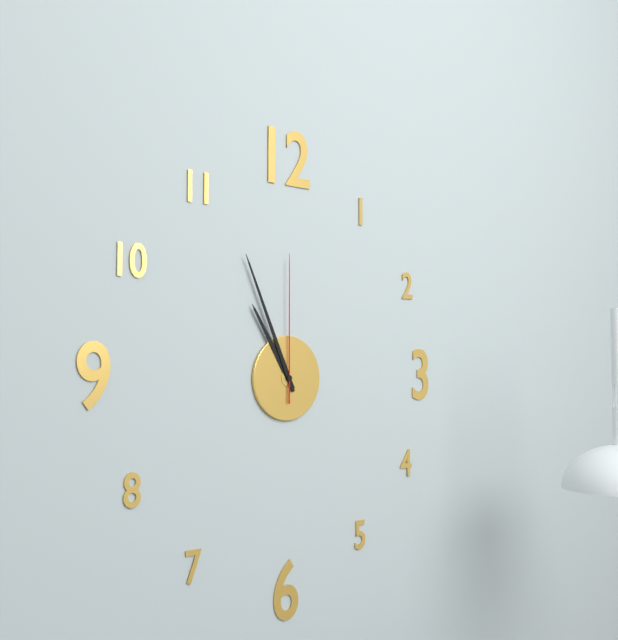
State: 10:56:00
